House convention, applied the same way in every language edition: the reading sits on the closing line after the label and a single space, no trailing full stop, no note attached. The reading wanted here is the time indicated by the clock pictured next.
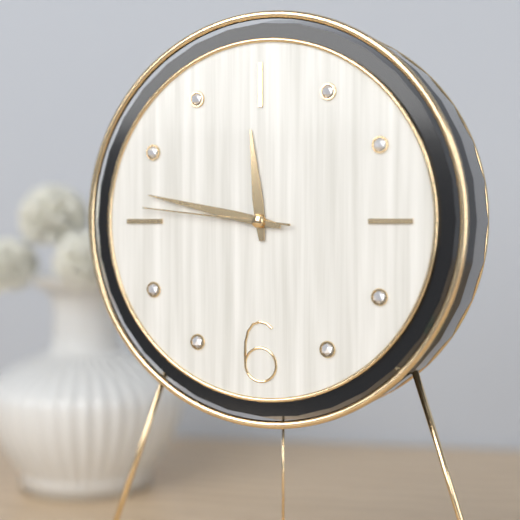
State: 11:47:46
